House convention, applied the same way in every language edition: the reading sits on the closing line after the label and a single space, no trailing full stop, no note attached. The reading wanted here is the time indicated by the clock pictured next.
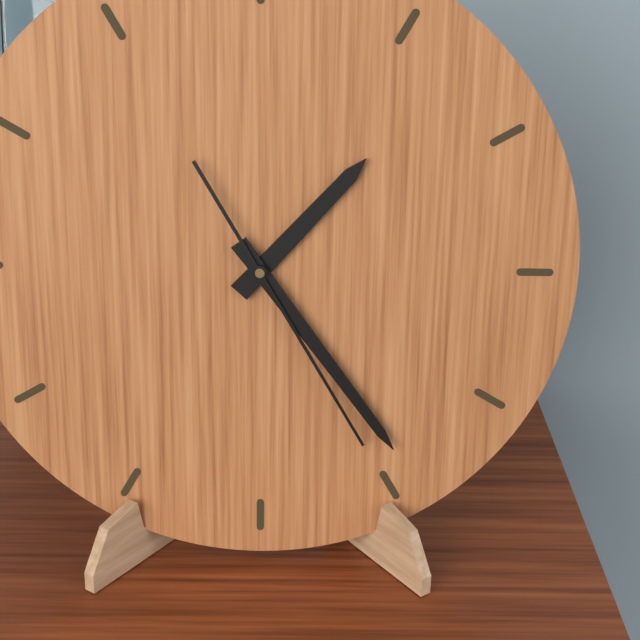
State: 1:24:25
